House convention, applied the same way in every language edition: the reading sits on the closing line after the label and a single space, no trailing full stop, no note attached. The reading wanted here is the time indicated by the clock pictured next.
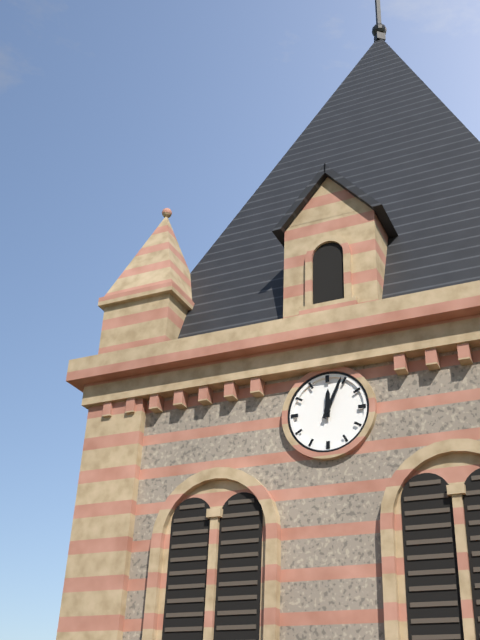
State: 12:04
